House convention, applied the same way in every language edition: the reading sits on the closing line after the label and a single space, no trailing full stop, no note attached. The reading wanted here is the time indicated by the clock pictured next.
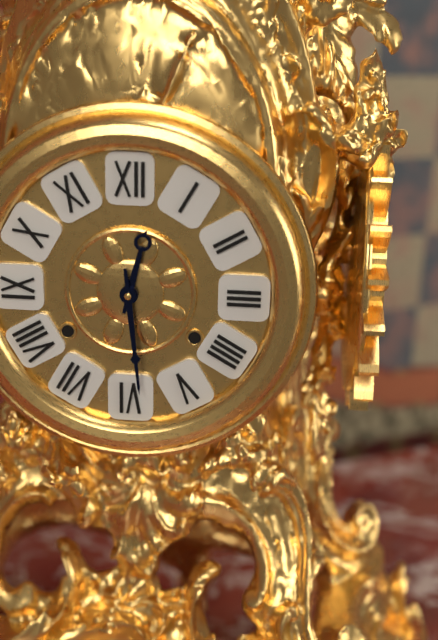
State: 12:29
